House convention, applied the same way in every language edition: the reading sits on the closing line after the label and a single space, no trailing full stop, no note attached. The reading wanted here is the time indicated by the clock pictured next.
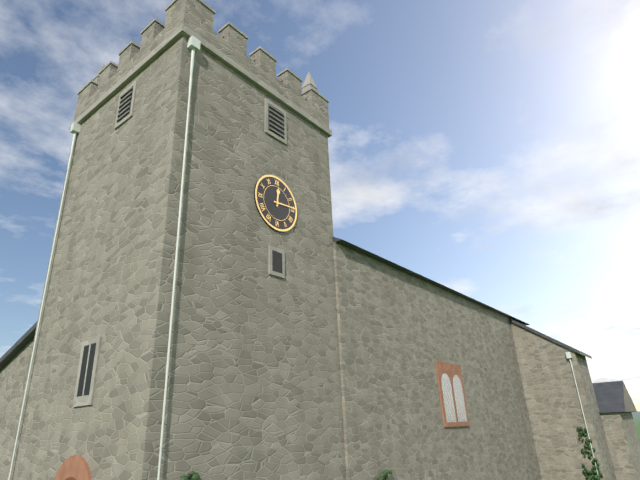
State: 12:14
